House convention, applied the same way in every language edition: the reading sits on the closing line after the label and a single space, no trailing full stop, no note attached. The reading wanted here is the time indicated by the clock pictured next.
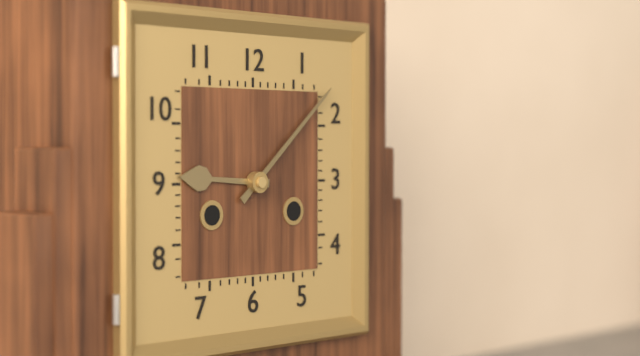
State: 9:08
